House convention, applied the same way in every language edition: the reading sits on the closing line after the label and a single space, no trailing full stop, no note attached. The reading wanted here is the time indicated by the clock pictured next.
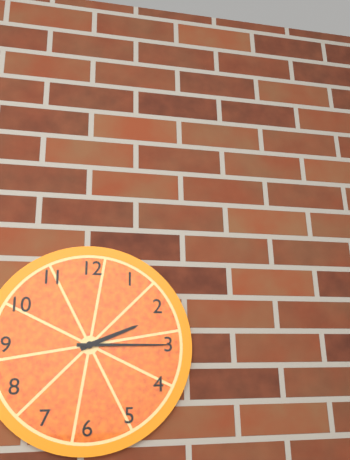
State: 2:15
